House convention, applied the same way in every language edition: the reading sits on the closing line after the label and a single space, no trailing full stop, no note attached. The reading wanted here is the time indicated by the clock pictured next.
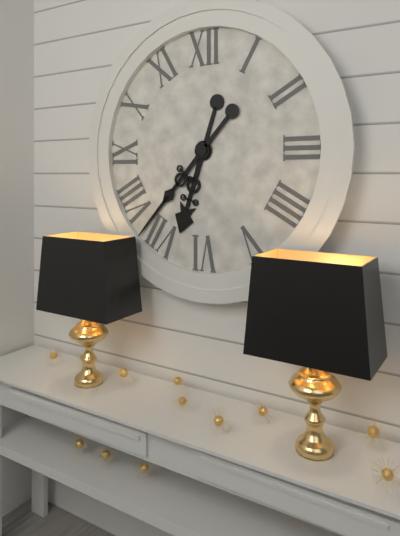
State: 6:37
